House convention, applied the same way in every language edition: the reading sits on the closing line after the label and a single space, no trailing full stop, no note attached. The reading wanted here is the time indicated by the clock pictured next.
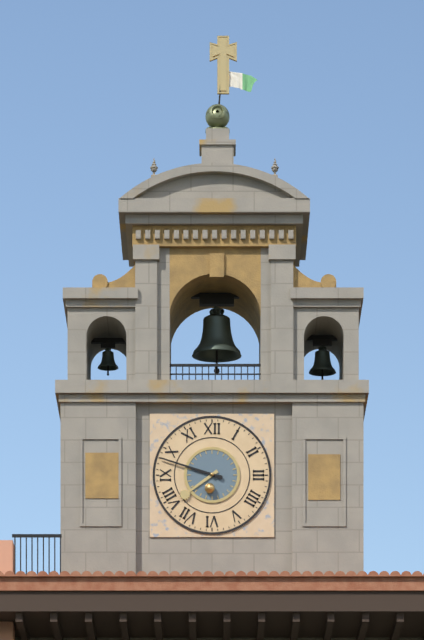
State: 7:48
